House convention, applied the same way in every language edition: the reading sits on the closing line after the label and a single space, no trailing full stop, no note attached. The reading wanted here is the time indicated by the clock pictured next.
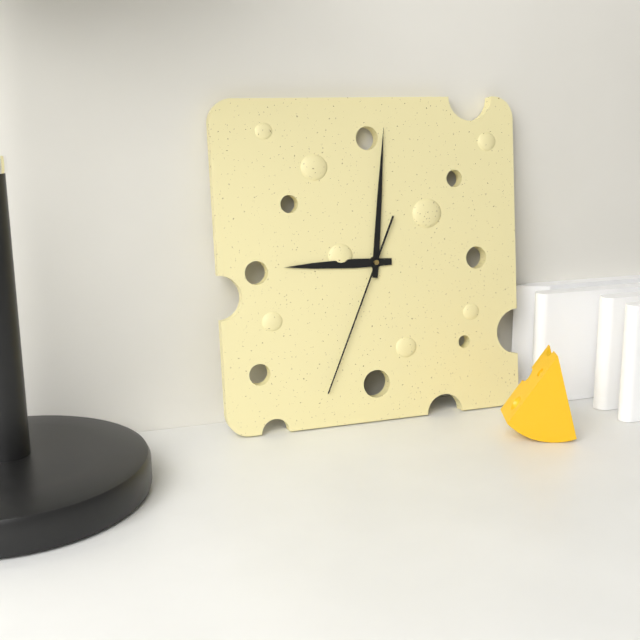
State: 9:01:34
